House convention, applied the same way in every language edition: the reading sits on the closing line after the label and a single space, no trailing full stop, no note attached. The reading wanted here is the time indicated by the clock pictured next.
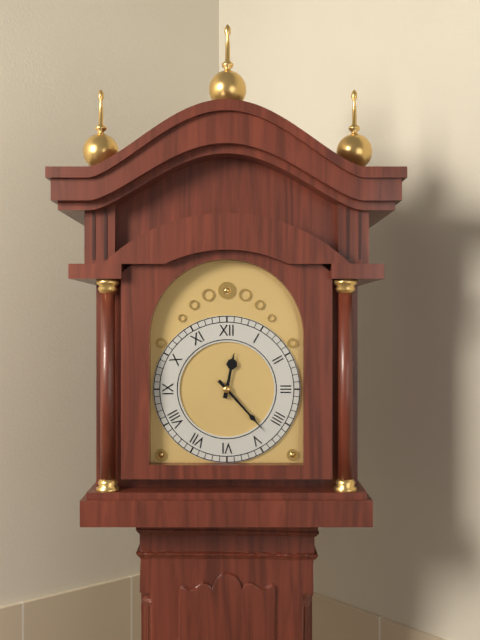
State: 12:23
